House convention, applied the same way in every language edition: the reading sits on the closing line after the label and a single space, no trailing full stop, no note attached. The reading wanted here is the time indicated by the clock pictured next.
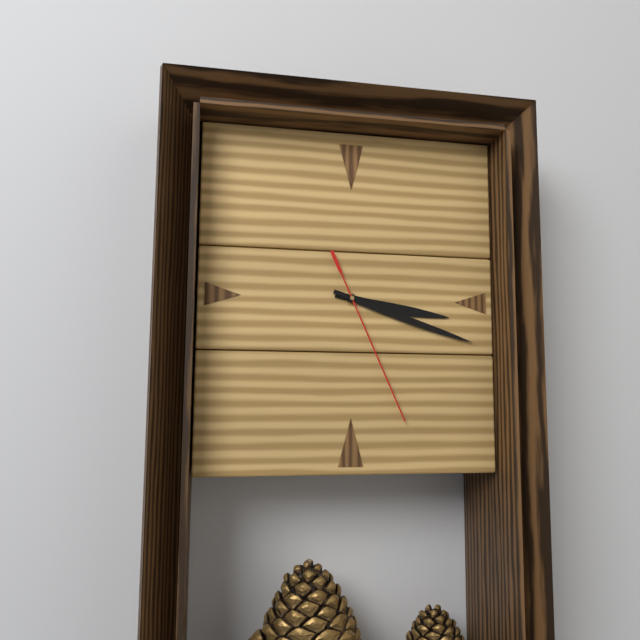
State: 3:18:26
